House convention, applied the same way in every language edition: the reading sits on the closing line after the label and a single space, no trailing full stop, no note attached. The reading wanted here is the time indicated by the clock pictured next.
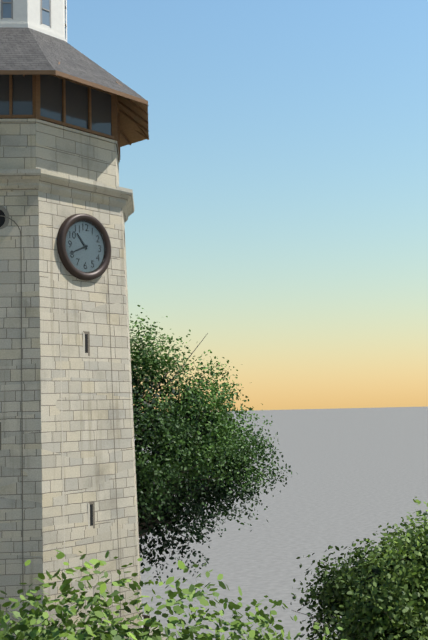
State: 10:41
